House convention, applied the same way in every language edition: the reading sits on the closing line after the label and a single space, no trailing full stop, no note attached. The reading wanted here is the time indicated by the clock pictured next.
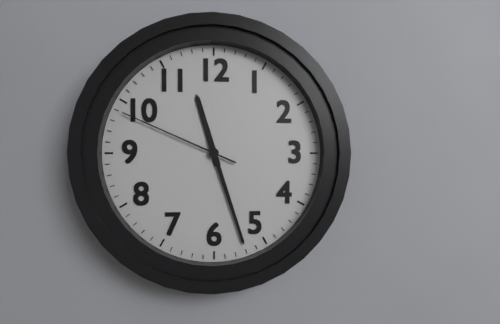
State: 11:27:49
